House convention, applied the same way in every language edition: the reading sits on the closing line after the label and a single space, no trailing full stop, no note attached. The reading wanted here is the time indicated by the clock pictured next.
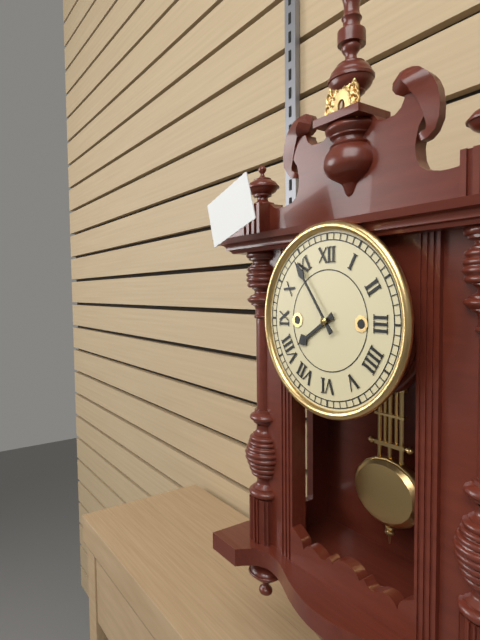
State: 7:54
